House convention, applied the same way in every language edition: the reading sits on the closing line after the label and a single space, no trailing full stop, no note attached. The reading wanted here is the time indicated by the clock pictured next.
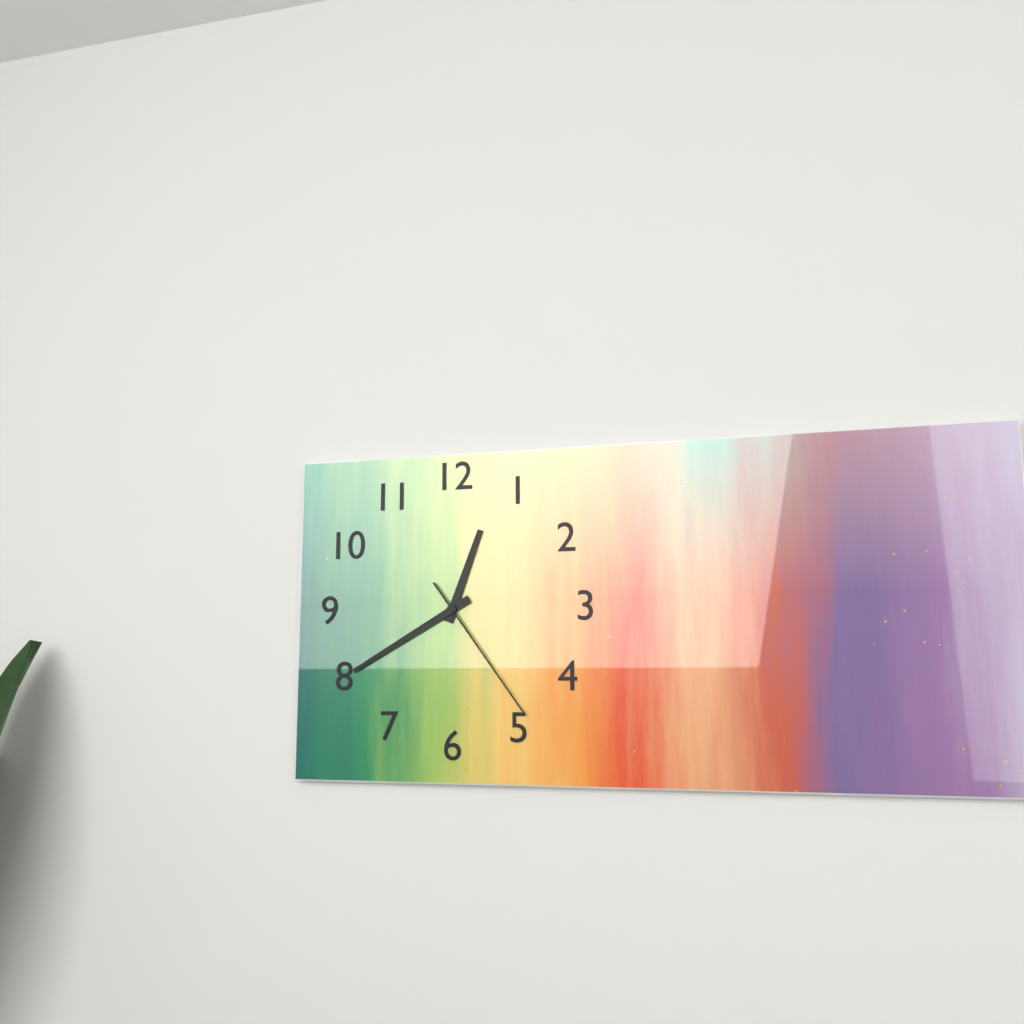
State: 12:40:24
